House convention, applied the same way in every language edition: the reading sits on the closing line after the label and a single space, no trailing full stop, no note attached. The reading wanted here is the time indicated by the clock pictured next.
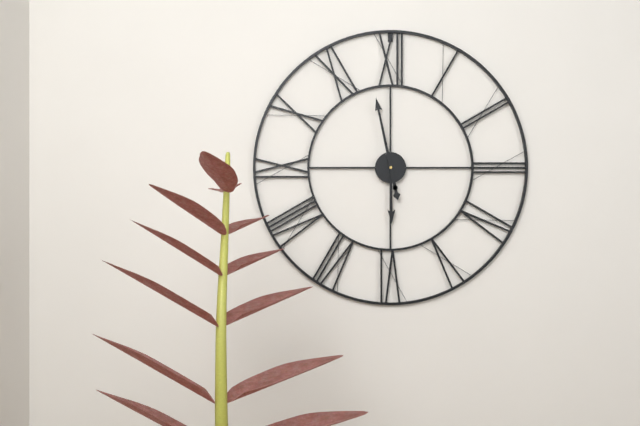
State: 5:58
